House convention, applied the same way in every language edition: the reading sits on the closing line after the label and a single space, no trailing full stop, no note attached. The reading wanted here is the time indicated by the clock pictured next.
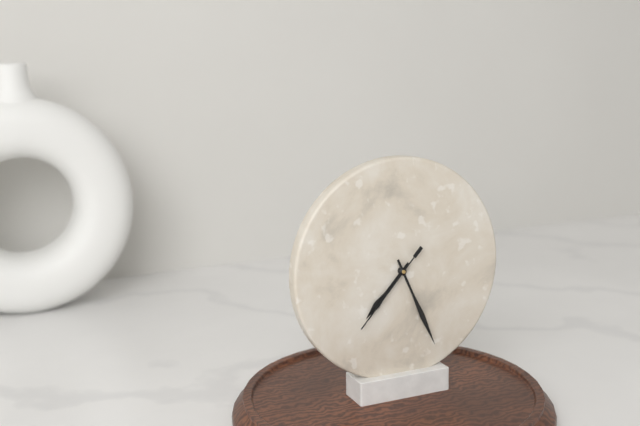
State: 7:26:37
